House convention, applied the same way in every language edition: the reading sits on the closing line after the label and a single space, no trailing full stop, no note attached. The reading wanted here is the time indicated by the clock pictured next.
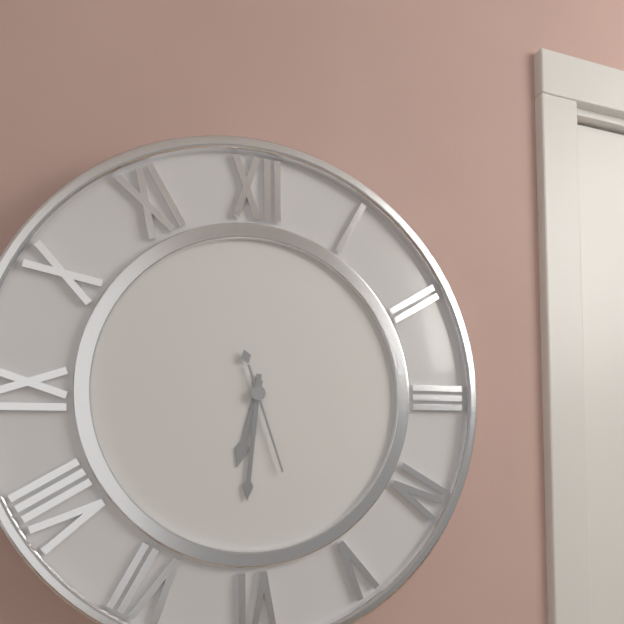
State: 6:31:27
